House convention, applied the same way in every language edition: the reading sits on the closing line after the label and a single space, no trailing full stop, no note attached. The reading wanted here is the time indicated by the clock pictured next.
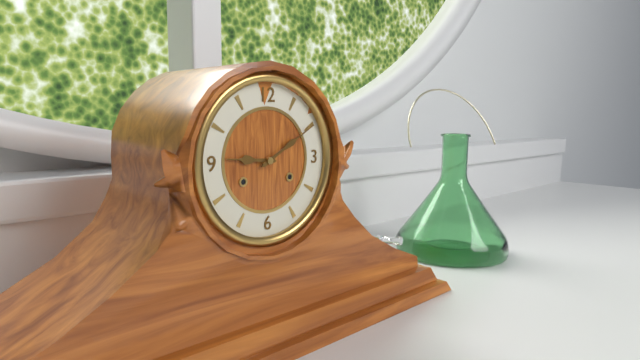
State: 9:10
